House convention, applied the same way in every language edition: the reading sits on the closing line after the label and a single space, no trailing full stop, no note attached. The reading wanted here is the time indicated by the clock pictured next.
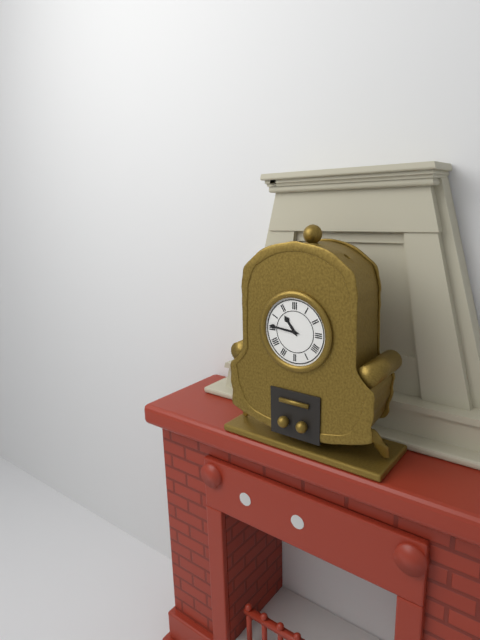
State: 10:46
